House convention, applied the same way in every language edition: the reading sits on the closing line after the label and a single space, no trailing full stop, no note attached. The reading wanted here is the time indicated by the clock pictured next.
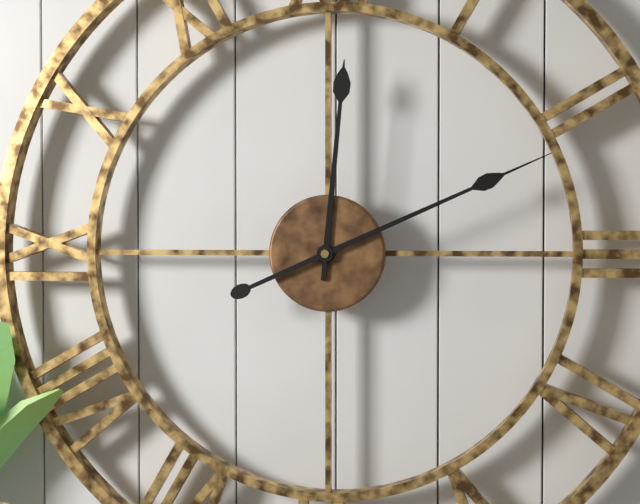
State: 12:11
